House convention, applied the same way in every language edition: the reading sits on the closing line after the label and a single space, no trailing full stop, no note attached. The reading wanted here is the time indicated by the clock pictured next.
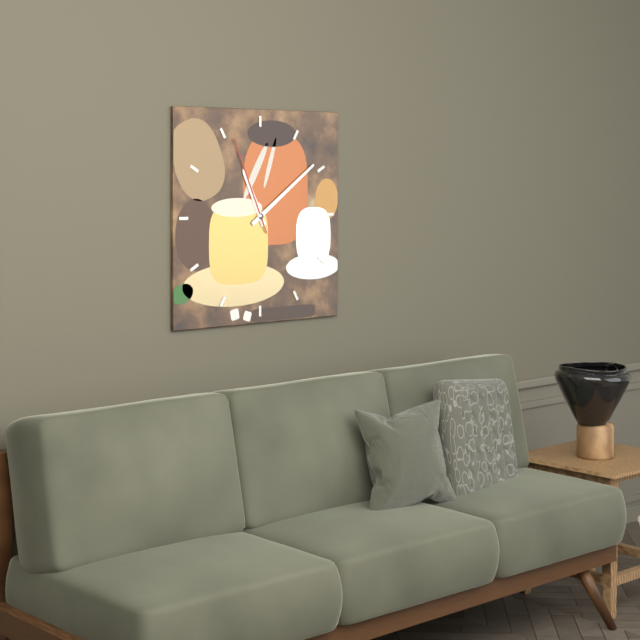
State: 11:09:56
